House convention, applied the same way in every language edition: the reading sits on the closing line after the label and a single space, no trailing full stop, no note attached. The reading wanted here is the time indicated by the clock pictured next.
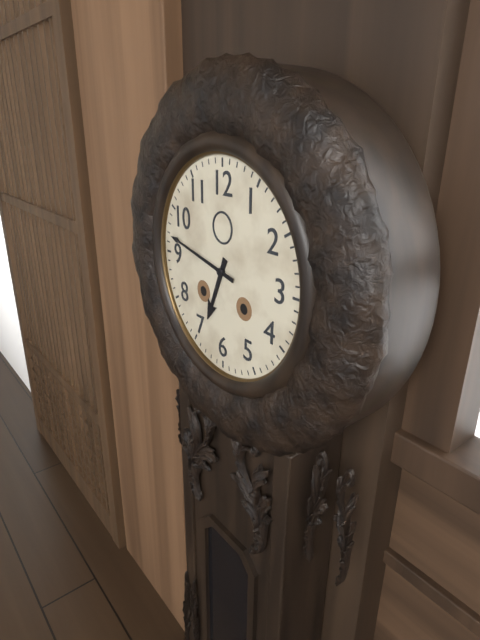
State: 6:47
